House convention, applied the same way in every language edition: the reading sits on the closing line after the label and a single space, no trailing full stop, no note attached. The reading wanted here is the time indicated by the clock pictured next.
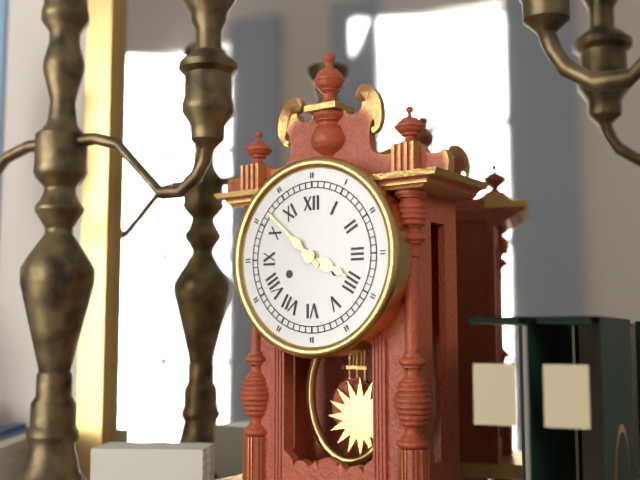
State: 3:52
